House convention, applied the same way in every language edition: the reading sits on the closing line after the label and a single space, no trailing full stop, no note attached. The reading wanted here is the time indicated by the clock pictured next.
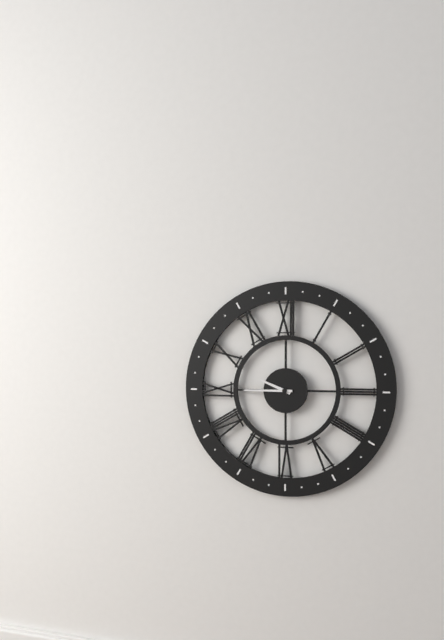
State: 9:45
